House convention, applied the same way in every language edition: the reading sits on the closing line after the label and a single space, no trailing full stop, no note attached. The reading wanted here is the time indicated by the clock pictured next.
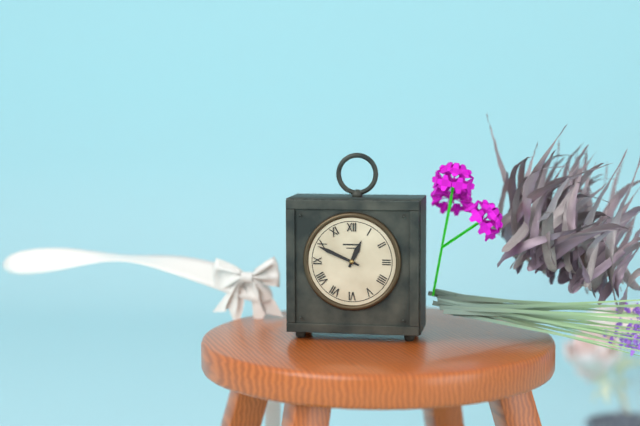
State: 12:49
